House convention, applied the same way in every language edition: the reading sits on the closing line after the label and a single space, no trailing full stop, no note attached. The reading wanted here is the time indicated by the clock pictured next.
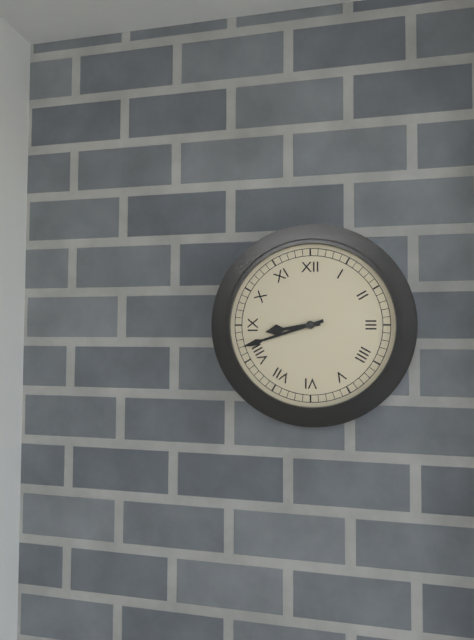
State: 8:42
